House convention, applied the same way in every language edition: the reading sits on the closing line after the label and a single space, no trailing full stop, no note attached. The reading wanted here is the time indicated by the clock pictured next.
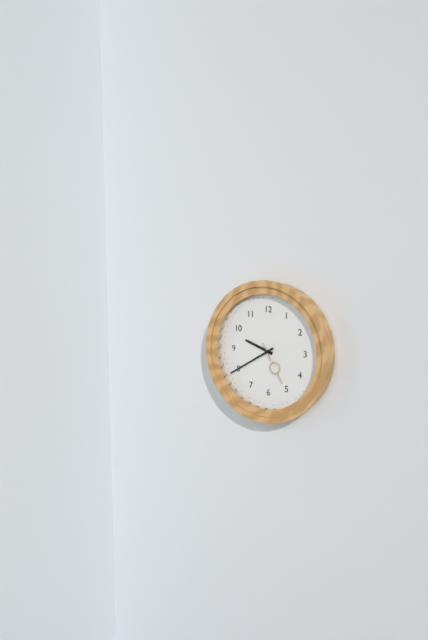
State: 9:40
